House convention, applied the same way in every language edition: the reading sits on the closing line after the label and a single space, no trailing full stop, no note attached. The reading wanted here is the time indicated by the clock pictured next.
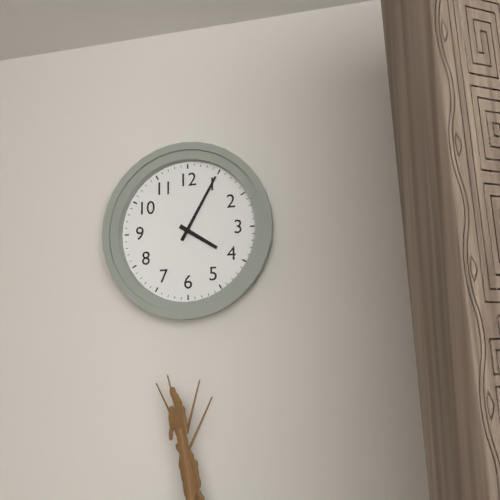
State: 4:05
